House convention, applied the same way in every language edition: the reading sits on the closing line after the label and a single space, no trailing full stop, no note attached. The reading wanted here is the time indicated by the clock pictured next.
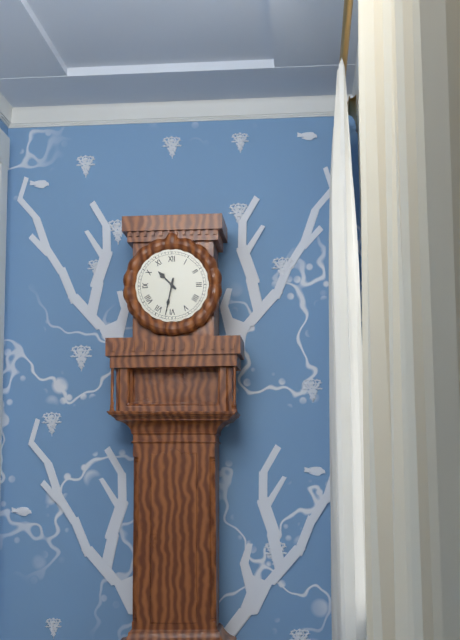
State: 10:32
